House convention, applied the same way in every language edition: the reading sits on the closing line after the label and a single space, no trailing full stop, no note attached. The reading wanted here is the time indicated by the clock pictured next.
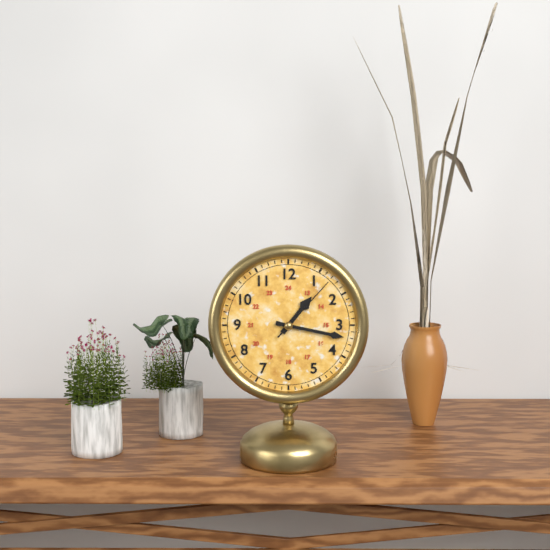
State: 1:17:07
